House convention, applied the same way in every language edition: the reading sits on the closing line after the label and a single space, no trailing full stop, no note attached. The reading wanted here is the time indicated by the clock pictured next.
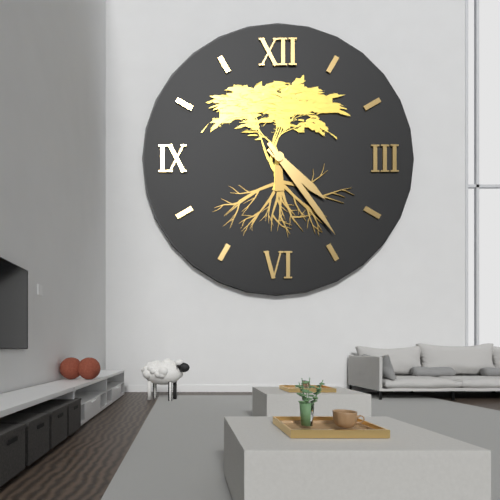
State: 4:24
